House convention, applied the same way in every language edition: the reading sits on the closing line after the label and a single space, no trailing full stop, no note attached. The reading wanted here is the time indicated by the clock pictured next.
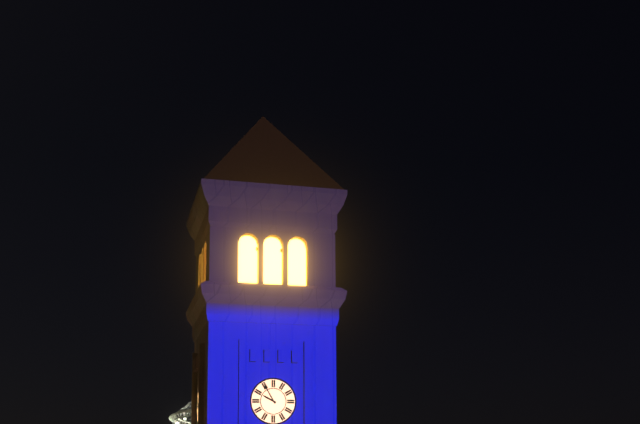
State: 9:55
